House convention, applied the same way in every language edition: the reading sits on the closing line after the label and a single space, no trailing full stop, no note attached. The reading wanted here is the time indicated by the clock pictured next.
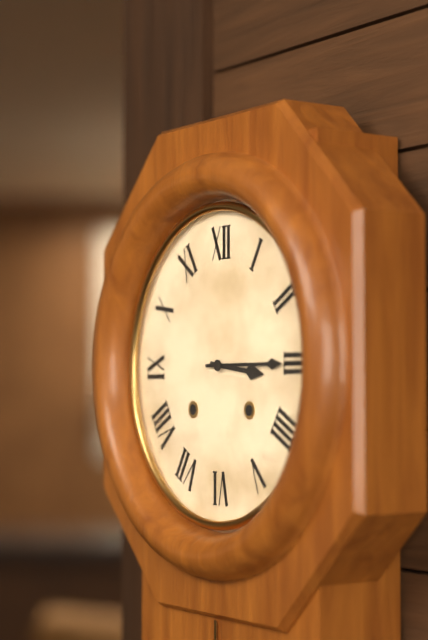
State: 3:15
